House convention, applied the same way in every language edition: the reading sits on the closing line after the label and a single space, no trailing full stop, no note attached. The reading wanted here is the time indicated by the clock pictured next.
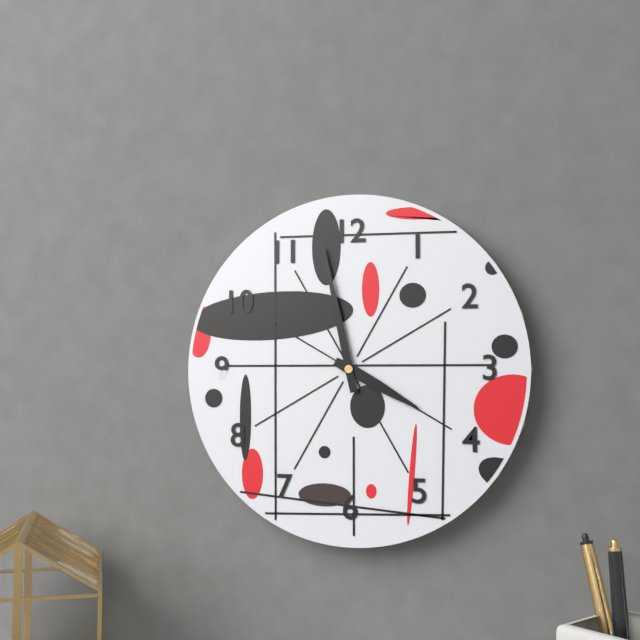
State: 3:58
